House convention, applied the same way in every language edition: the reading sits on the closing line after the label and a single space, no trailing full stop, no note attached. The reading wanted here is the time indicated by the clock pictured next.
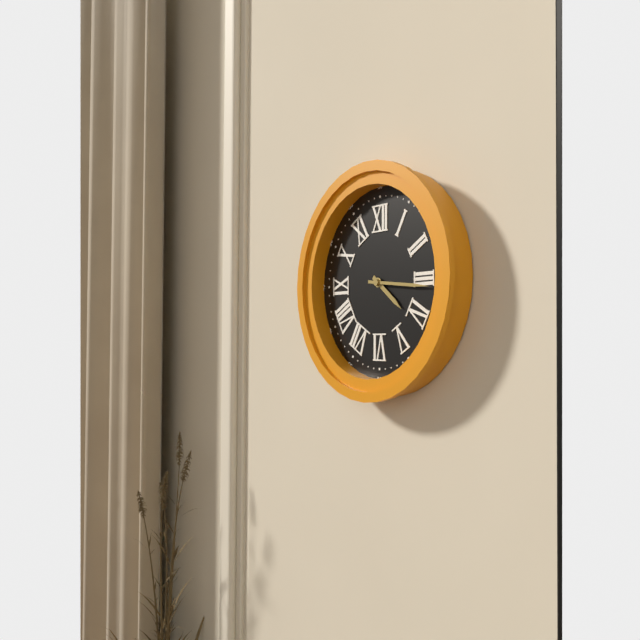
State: 4:16
